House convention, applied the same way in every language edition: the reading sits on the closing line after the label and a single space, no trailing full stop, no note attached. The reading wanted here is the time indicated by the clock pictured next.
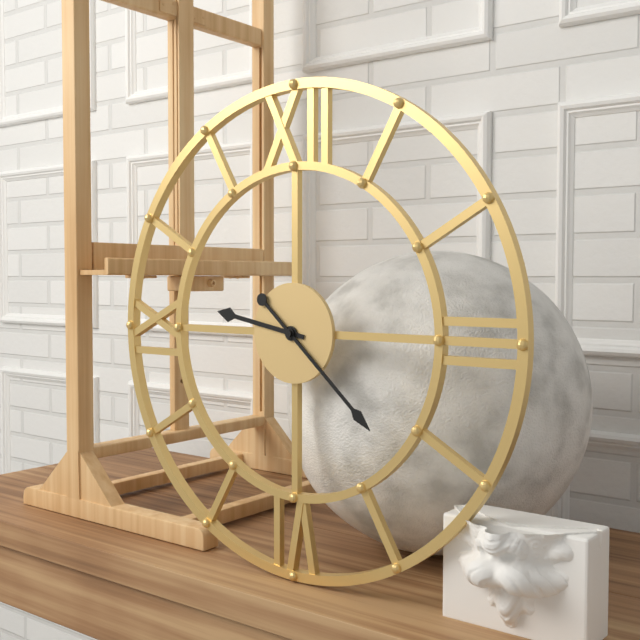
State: 9:22
